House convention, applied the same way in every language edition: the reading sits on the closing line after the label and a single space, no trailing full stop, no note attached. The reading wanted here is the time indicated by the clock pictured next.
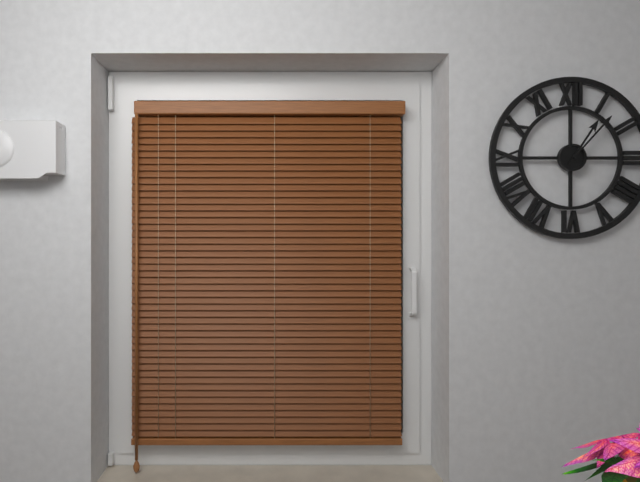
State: 1:07
